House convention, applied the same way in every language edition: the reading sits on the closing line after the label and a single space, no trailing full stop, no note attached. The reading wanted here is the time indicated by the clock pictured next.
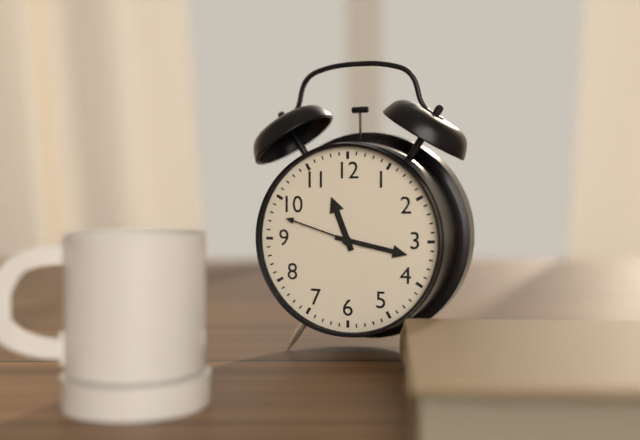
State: 11:17:48
